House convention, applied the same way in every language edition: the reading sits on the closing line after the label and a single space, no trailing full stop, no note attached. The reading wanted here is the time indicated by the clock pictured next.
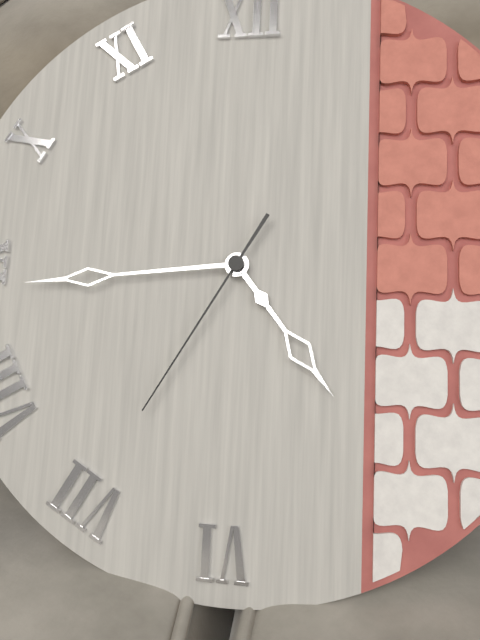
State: 4:44:35
